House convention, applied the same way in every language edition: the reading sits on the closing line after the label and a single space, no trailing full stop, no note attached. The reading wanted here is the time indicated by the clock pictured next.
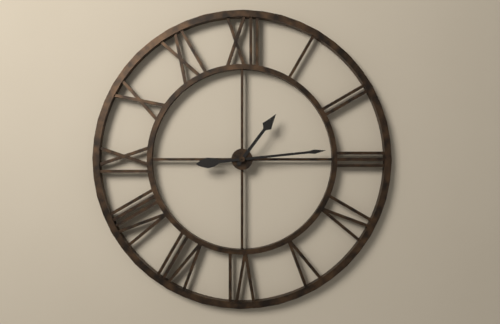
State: 1:14
